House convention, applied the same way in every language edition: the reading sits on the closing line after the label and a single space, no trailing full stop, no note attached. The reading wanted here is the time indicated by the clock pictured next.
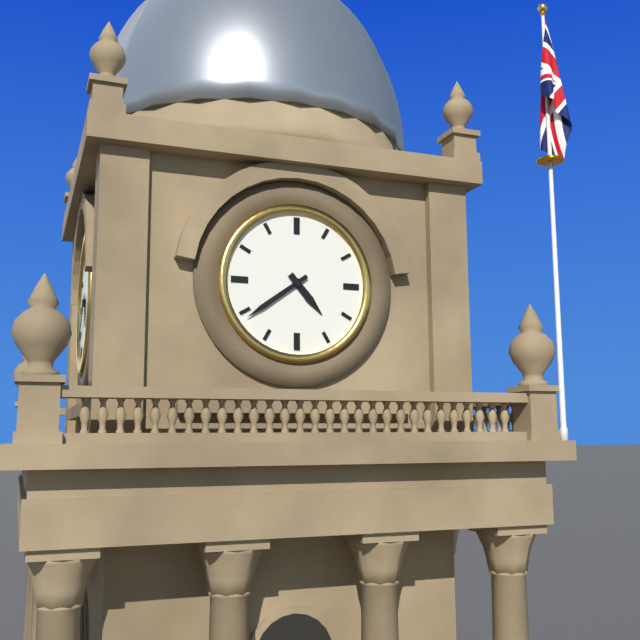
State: 4:39
